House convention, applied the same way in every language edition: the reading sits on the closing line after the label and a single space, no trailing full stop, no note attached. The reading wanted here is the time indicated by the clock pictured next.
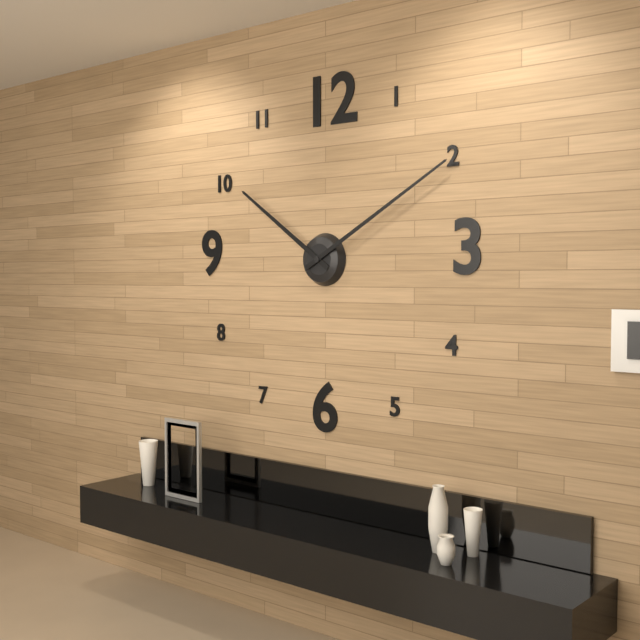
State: 10:10
